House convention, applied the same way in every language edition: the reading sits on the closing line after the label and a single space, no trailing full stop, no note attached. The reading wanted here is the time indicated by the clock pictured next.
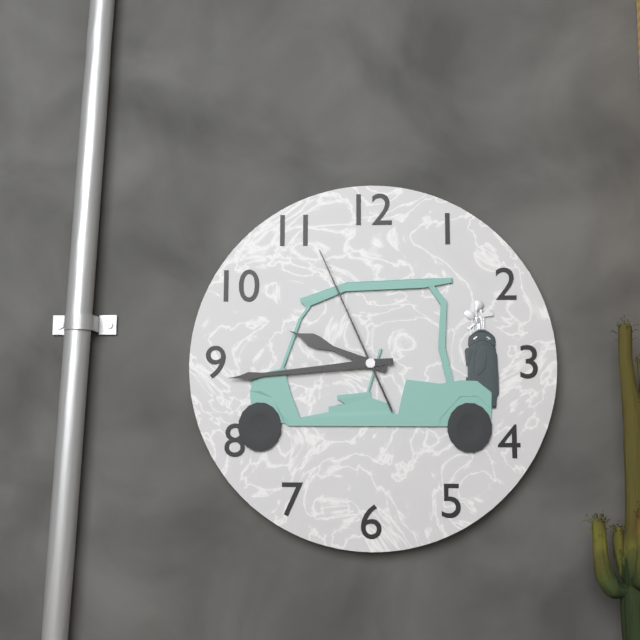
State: 9:44:56
